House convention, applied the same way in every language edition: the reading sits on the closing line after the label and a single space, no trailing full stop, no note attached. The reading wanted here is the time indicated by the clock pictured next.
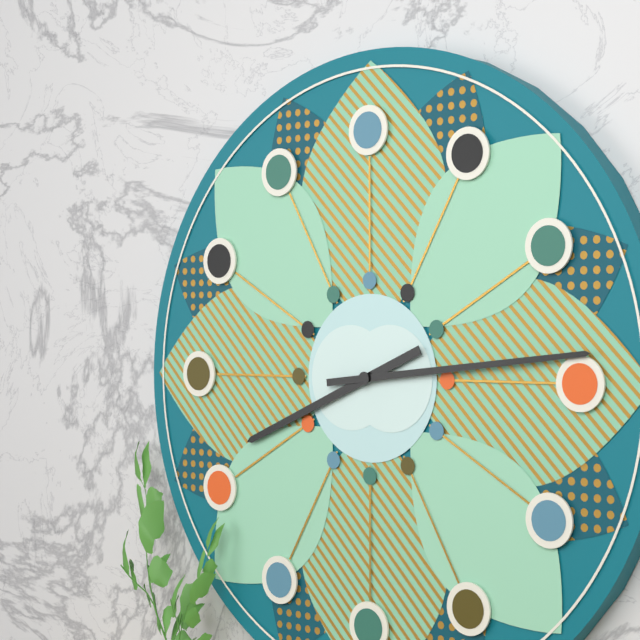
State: 8:14
